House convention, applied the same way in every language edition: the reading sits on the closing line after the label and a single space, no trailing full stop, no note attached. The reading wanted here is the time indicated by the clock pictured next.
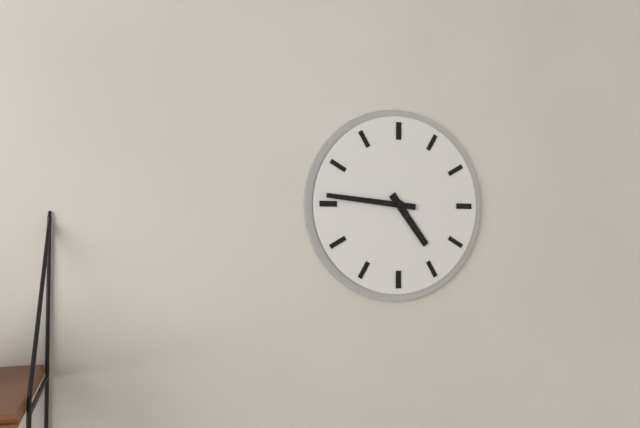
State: 4:46
